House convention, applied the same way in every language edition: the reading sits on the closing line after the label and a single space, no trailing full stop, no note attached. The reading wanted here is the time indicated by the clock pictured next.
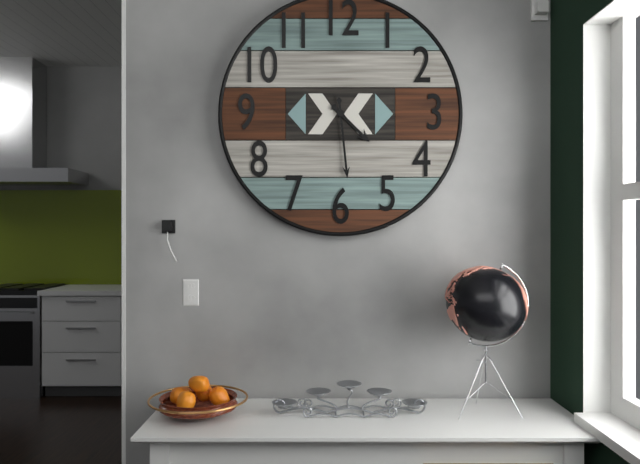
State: 4:29
